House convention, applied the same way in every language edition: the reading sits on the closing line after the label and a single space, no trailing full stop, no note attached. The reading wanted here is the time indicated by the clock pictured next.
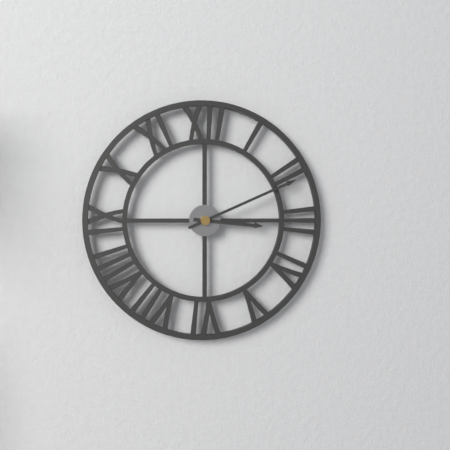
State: 3:11
